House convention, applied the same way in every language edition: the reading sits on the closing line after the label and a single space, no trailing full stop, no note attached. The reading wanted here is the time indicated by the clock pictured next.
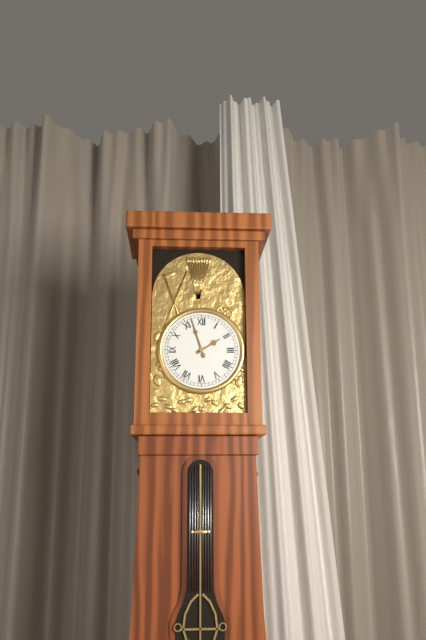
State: 1:57
